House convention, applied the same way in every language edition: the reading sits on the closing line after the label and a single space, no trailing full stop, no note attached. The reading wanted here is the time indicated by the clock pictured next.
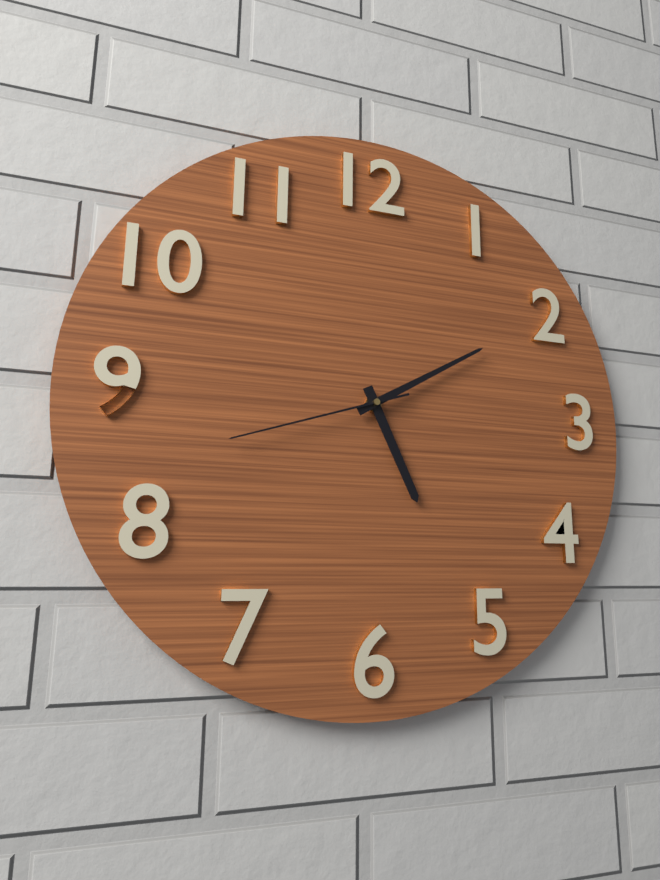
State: 5:10:42
